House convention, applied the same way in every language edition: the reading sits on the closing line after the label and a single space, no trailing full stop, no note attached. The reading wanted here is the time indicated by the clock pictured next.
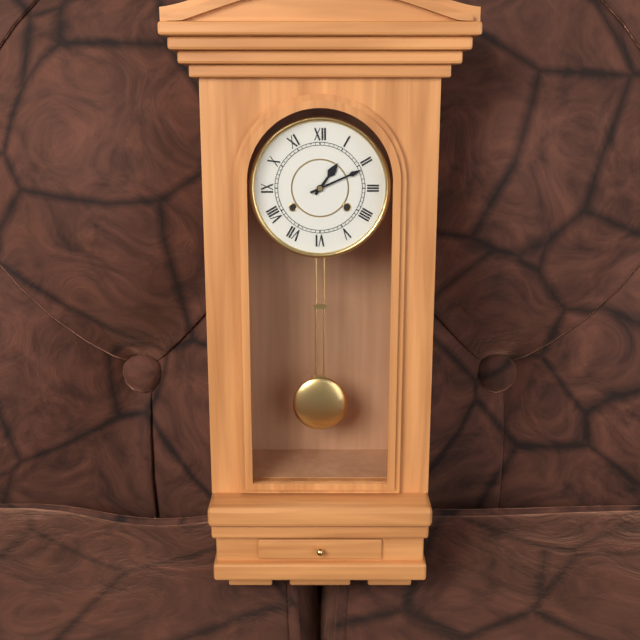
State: 1:11
